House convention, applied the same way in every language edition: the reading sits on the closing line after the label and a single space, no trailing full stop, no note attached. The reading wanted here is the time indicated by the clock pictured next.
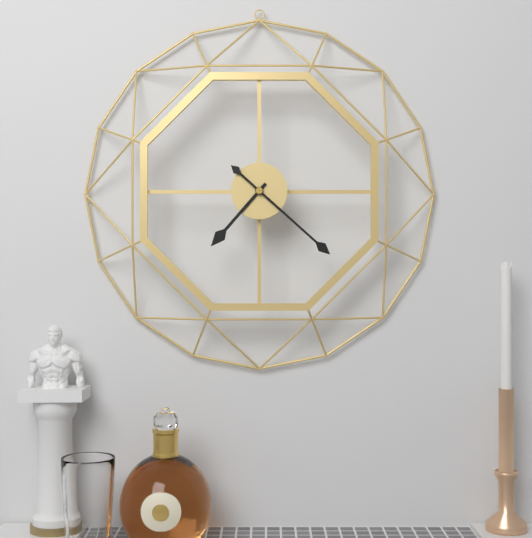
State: 7:22
